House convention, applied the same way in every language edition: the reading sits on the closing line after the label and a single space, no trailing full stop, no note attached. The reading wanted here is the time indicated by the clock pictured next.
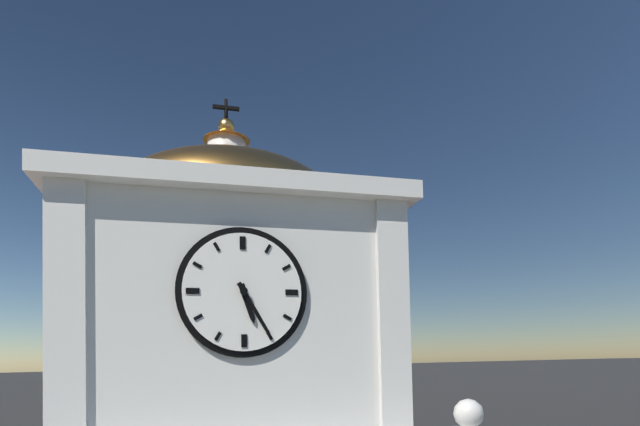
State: 5:25
